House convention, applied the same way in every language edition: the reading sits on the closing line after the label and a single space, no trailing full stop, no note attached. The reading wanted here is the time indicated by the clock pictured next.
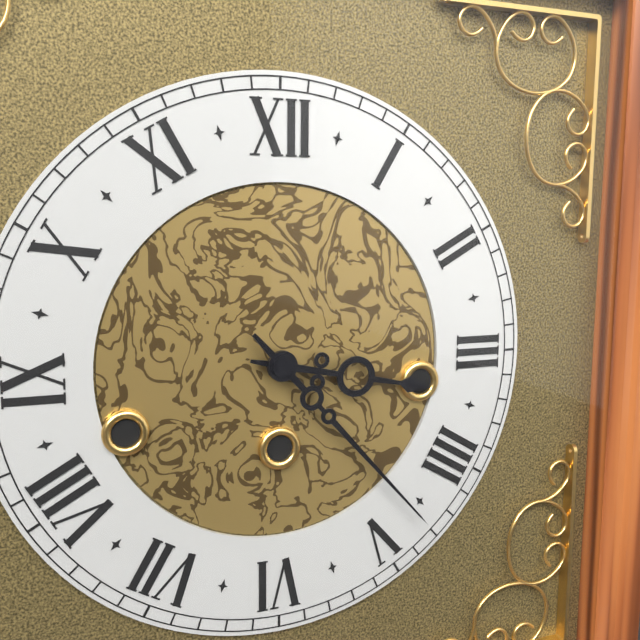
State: 3:23
